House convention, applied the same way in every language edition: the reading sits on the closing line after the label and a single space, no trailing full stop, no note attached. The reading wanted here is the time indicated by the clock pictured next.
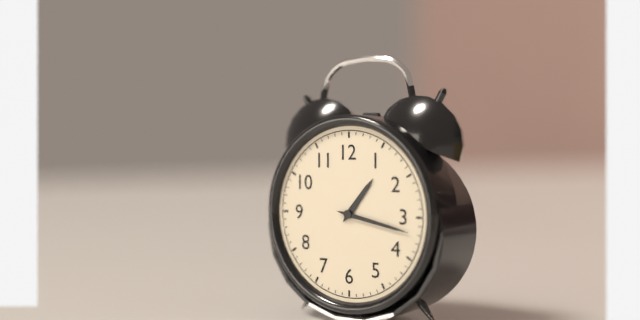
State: 1:17
